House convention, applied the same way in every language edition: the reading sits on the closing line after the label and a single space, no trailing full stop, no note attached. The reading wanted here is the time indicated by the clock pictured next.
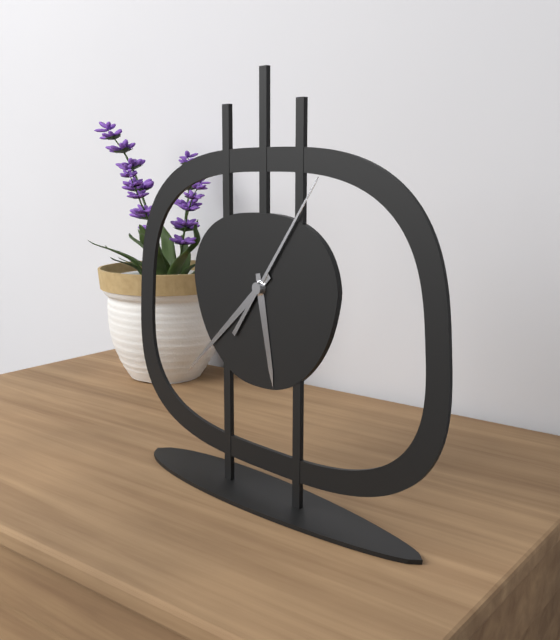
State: 5:38:06
